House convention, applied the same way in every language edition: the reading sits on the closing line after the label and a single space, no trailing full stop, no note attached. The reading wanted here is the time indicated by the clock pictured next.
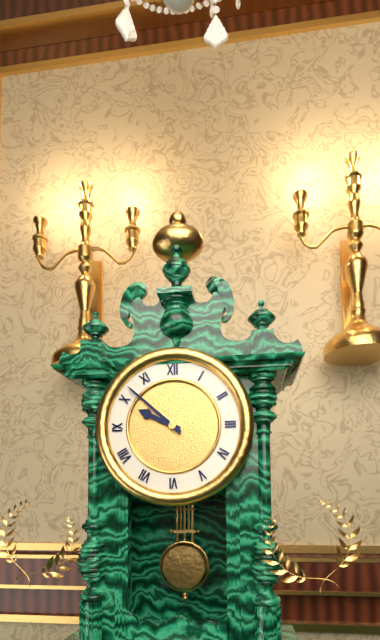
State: 9:52
